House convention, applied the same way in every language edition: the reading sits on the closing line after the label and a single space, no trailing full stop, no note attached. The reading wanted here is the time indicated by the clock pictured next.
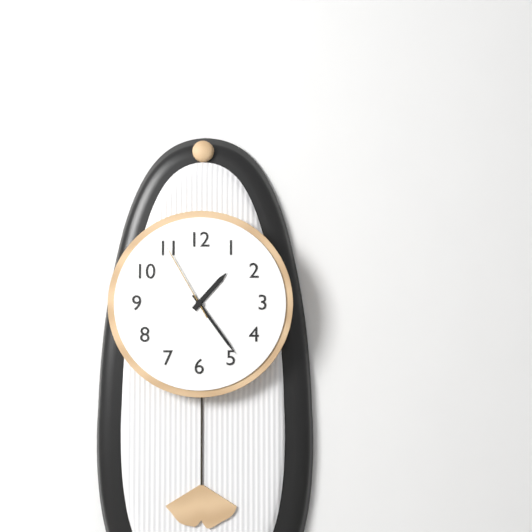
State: 1:24:55
